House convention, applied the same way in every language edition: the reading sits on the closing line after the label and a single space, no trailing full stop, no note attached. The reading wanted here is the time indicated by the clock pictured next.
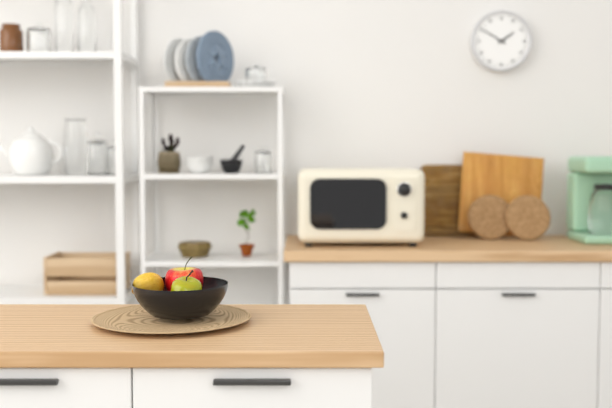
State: 1:50
